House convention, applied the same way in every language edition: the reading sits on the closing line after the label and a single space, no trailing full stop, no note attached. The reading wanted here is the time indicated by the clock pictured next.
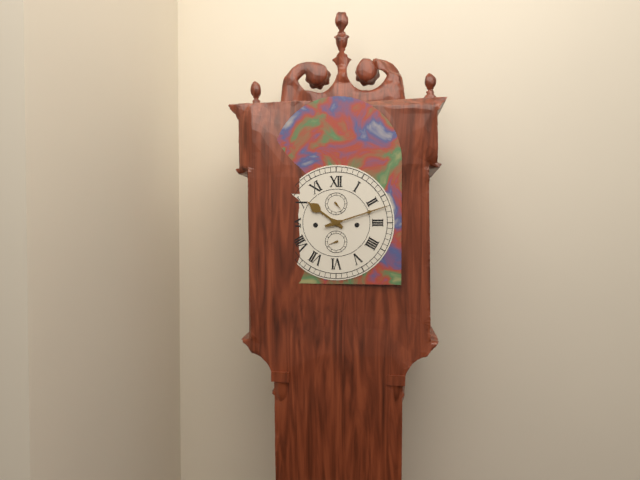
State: 10:12
